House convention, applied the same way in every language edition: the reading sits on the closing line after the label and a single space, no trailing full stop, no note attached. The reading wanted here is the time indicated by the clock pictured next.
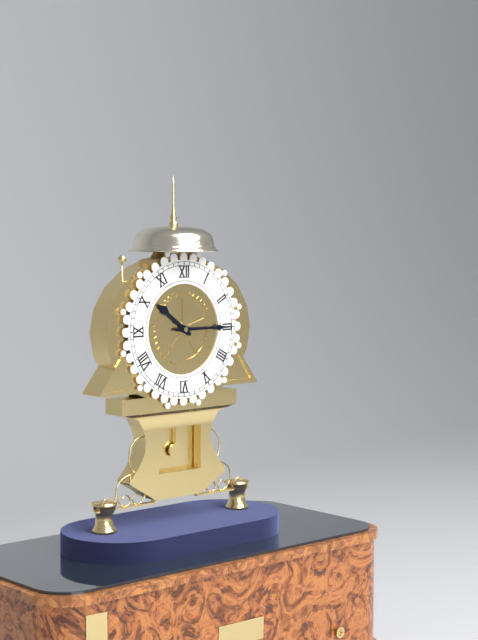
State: 10:15
